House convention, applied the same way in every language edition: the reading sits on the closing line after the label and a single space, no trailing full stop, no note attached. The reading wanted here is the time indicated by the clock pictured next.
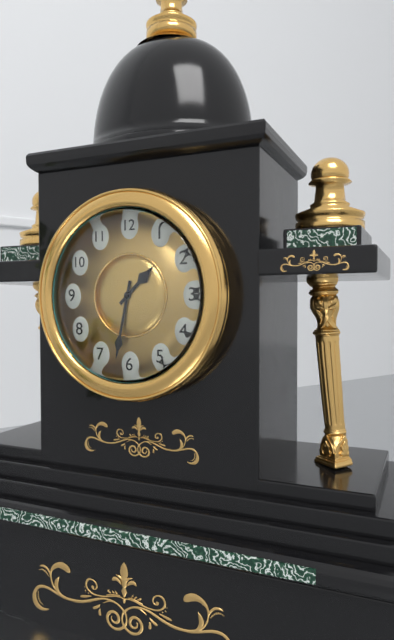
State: 1:32
